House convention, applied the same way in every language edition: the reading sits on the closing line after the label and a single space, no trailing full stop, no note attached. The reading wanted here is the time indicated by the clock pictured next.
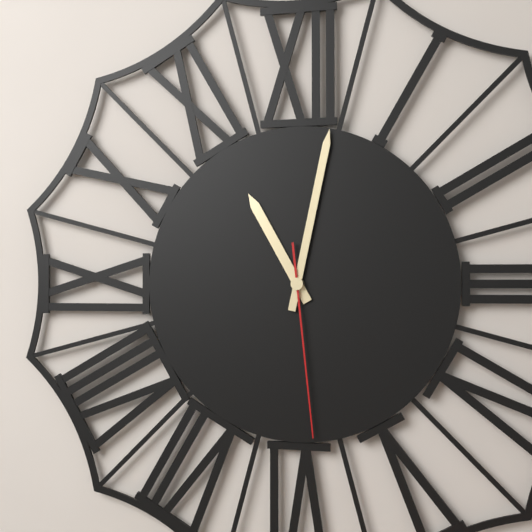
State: 11:02:29
